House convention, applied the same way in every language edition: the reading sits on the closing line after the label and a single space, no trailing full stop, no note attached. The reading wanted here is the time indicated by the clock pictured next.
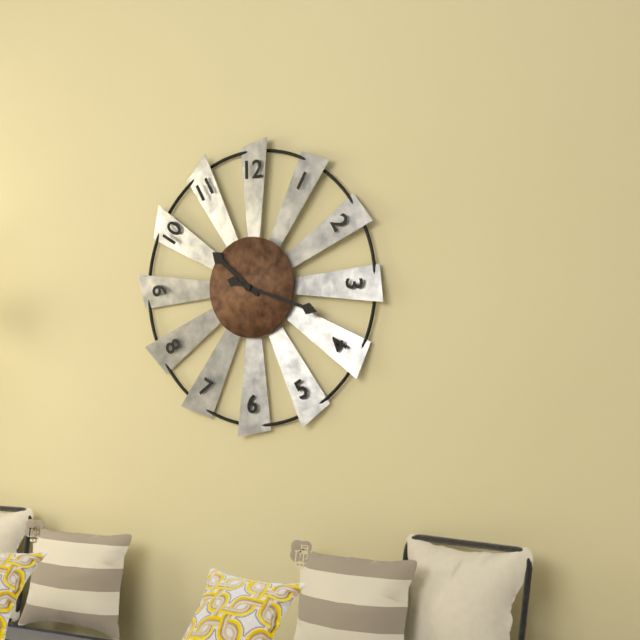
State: 10:18
